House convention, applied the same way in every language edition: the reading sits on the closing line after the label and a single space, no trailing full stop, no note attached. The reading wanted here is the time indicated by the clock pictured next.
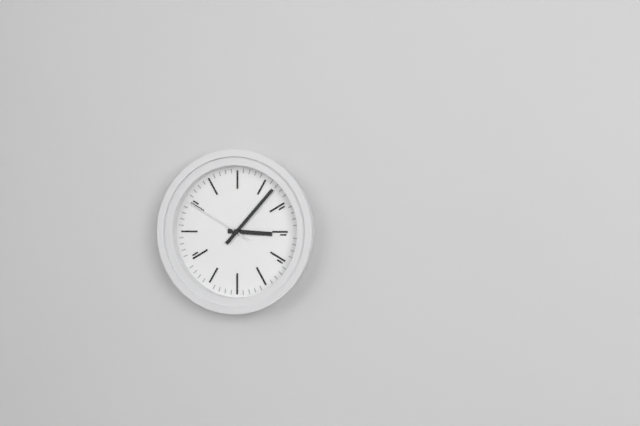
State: 3:07:50
